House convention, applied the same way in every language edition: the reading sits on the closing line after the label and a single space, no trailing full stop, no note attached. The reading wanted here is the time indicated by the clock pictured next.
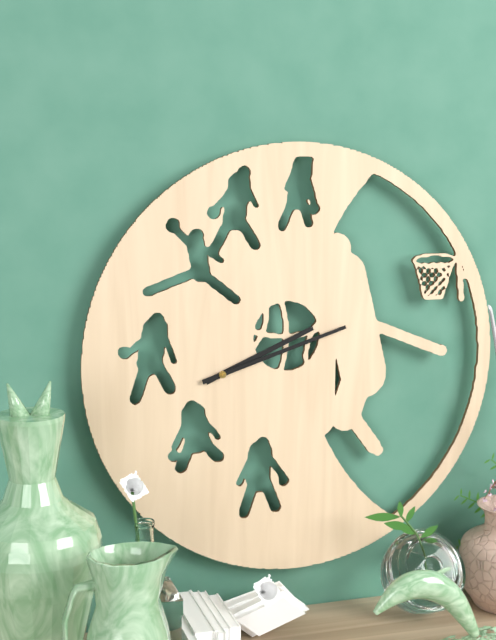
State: 2:12
